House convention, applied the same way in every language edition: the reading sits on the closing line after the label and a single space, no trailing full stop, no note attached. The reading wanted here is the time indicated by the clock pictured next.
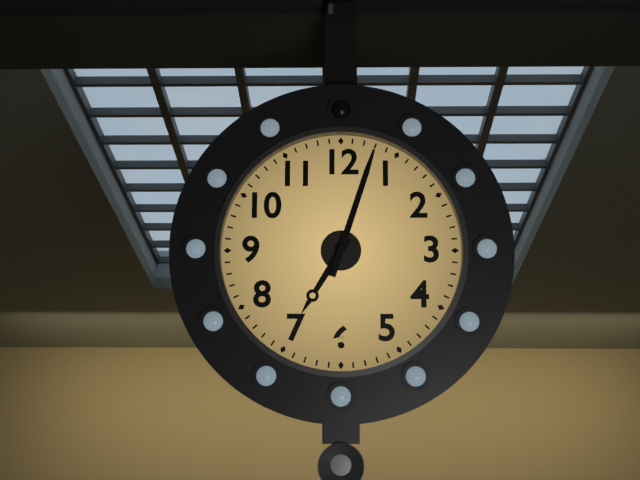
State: 7:03
